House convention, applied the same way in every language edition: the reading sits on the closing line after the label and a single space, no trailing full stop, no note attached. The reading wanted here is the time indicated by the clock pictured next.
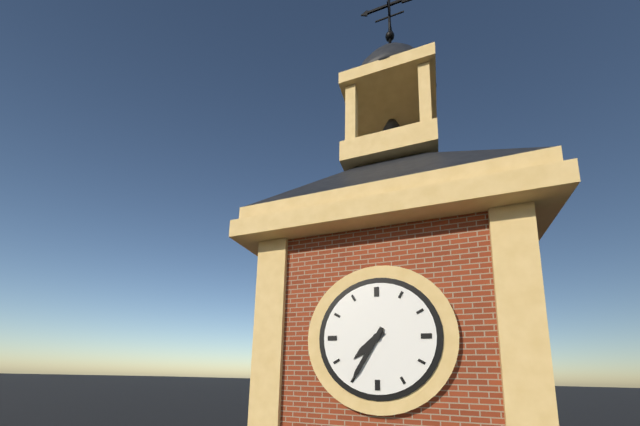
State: 7:35
